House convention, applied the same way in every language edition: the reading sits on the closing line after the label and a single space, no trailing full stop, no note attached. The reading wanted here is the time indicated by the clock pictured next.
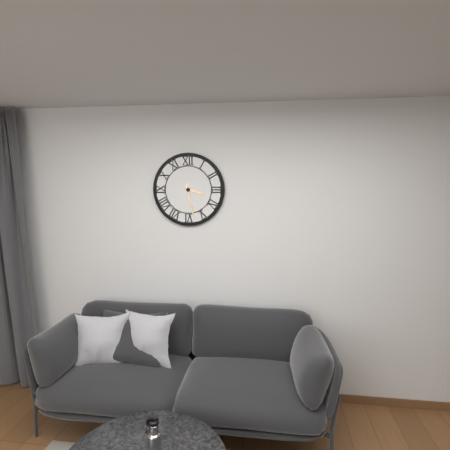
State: 3:28
